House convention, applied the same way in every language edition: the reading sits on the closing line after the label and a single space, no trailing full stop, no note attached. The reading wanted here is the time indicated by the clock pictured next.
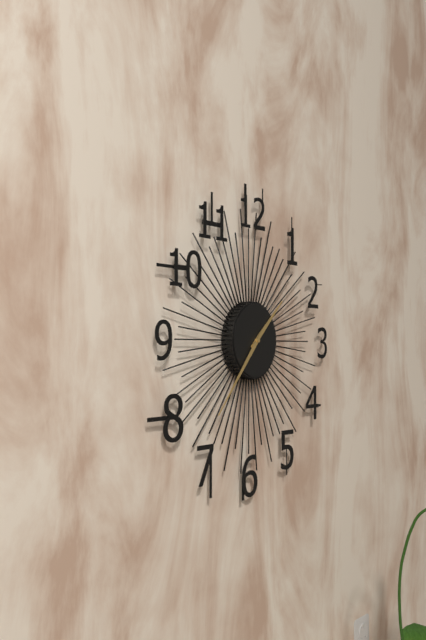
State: 1:37
